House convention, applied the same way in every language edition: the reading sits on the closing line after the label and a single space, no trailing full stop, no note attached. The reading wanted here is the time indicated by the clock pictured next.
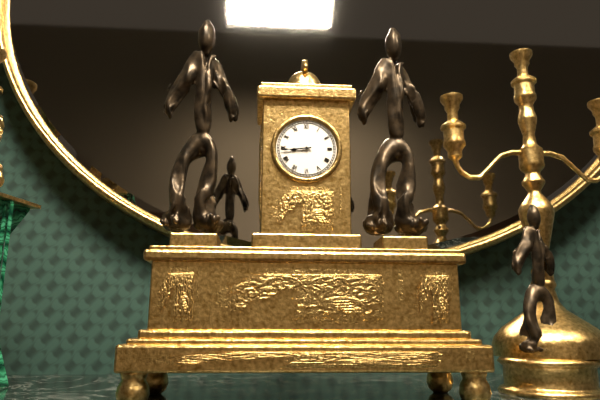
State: 8:44
